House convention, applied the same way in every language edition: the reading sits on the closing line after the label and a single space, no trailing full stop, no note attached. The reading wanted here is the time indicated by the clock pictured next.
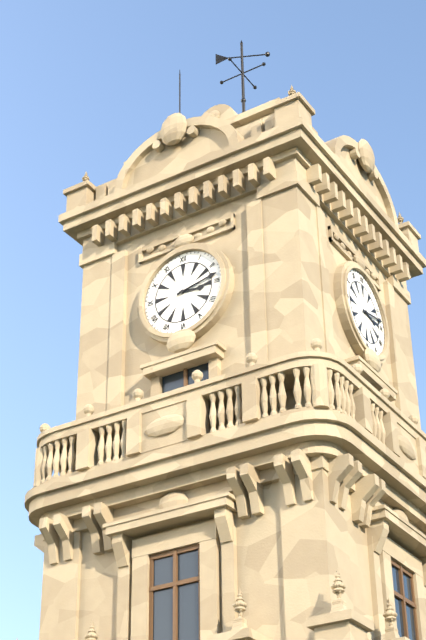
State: 3:13
